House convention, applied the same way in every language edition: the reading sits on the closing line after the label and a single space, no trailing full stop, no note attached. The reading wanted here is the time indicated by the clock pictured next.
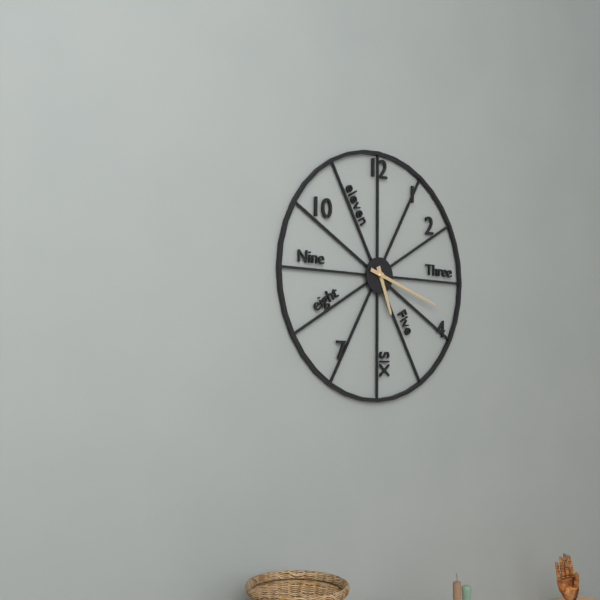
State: 5:18
